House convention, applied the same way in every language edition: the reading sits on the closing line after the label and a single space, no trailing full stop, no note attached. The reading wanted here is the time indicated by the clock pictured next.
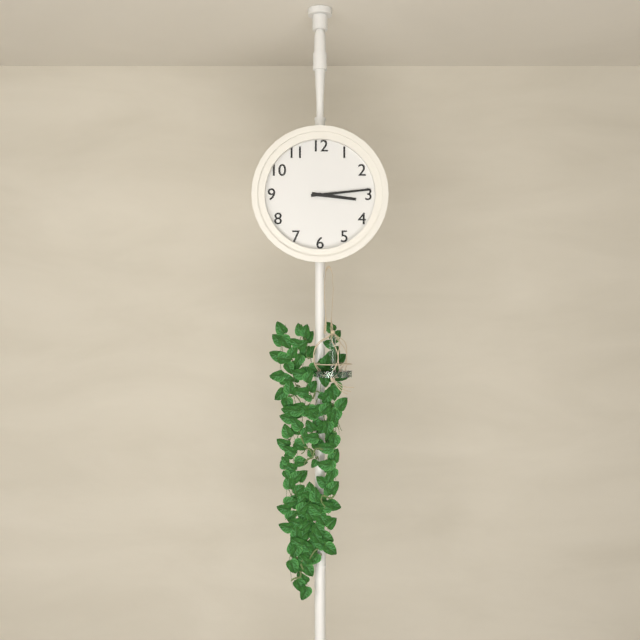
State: 3:14
